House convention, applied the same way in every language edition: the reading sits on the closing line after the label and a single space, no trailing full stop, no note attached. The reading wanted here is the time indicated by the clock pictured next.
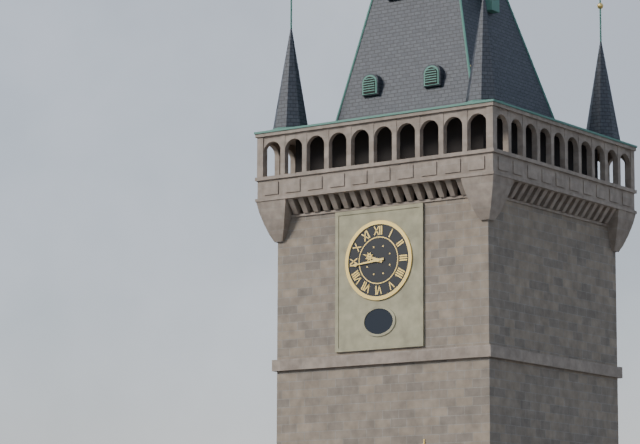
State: 9:44
